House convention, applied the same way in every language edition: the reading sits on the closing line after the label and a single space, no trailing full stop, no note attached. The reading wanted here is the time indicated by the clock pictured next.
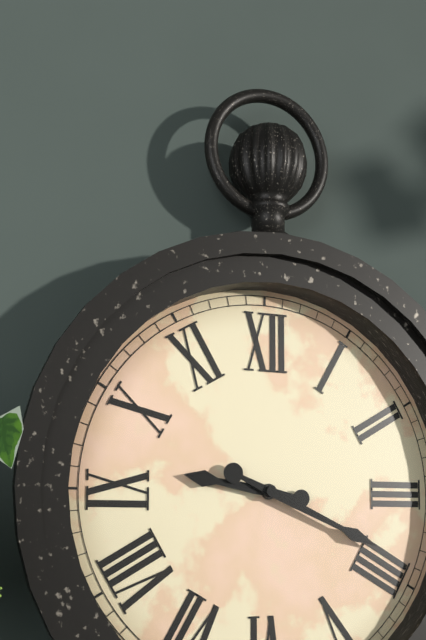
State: 9:19
